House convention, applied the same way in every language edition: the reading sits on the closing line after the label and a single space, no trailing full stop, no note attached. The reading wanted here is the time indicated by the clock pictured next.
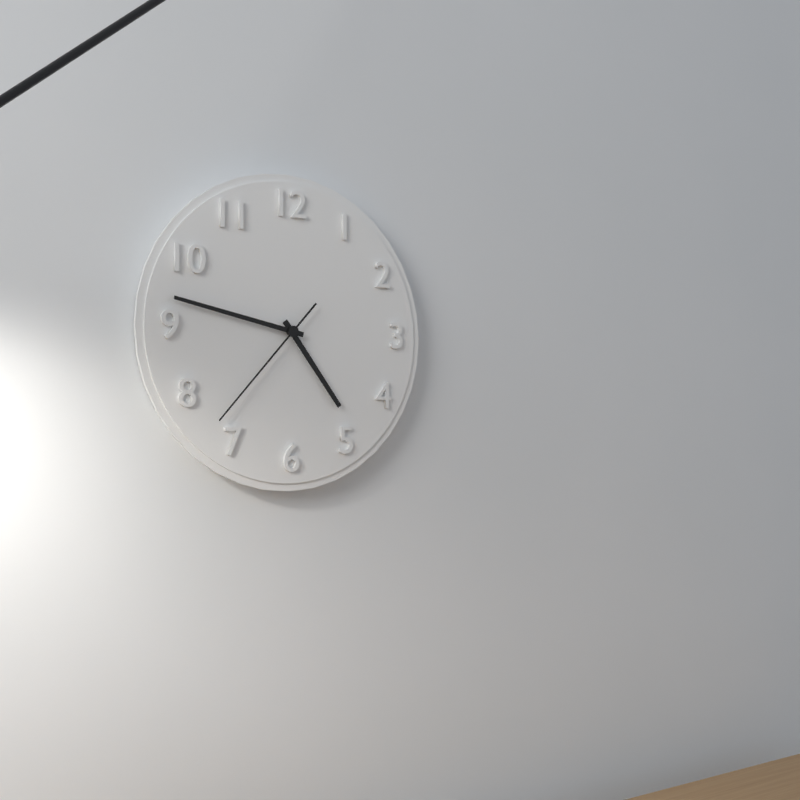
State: 4:47:37
